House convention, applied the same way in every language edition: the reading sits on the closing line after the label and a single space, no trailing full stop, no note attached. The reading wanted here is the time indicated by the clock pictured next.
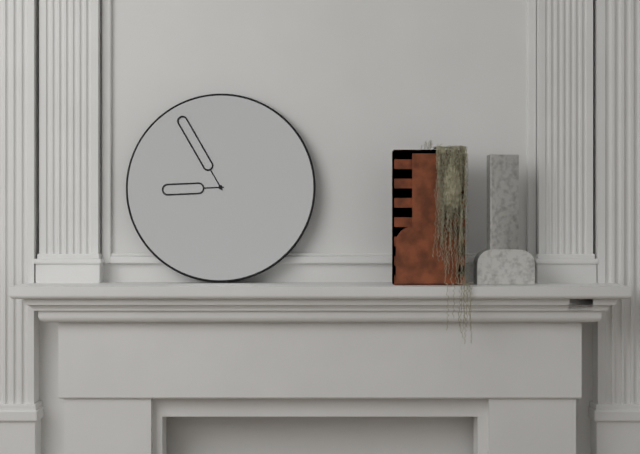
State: 8:55
